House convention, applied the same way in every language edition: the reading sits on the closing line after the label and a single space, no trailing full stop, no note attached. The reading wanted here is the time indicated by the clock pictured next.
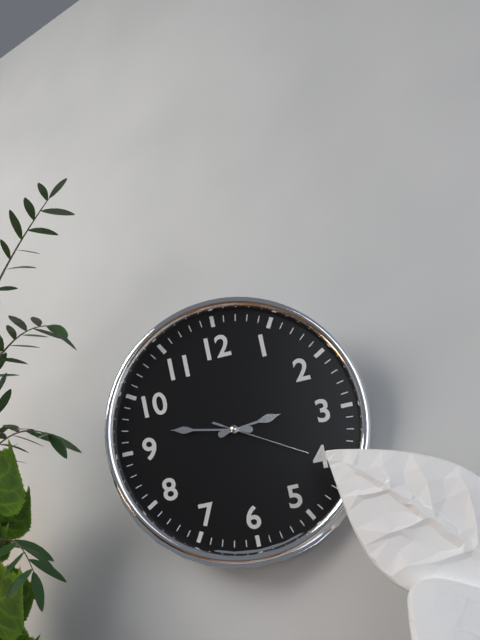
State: 2:47:20
